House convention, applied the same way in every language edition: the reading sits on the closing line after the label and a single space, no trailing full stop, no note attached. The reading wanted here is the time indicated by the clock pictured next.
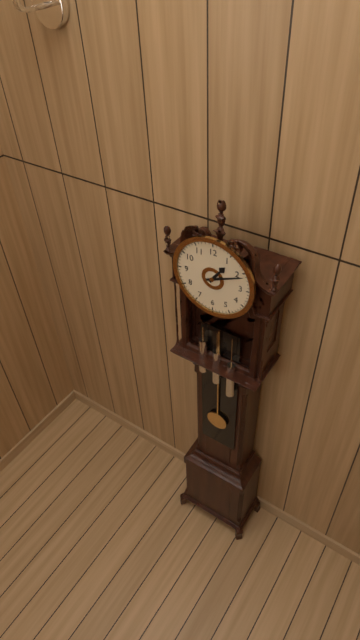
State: 1:11
